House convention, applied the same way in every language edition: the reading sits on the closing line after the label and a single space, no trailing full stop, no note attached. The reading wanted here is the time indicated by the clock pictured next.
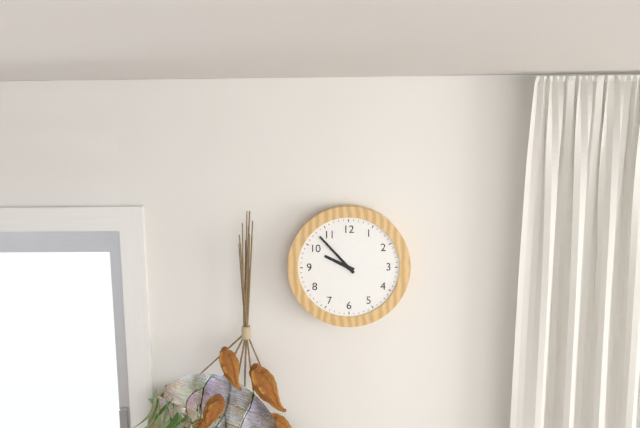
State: 9:53
